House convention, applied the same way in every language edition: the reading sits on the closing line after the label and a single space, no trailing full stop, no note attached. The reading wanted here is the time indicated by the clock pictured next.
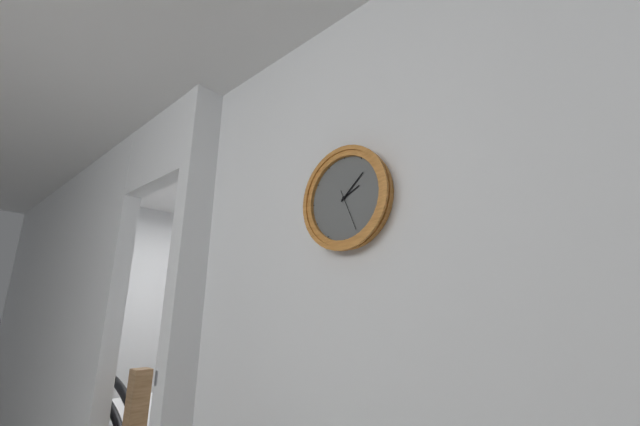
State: 2:08
